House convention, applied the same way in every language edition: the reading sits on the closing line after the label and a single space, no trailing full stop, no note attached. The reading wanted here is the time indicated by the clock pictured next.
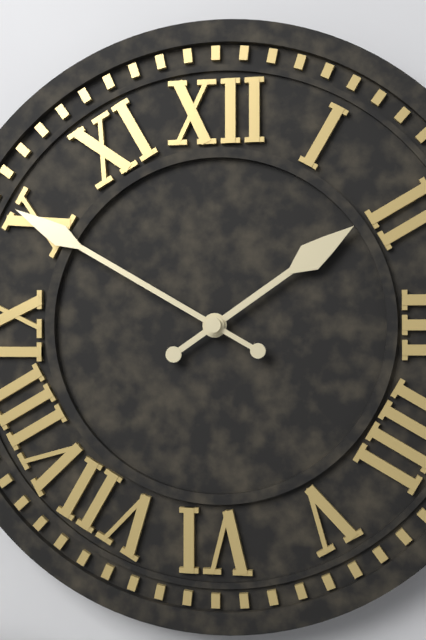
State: 1:50
